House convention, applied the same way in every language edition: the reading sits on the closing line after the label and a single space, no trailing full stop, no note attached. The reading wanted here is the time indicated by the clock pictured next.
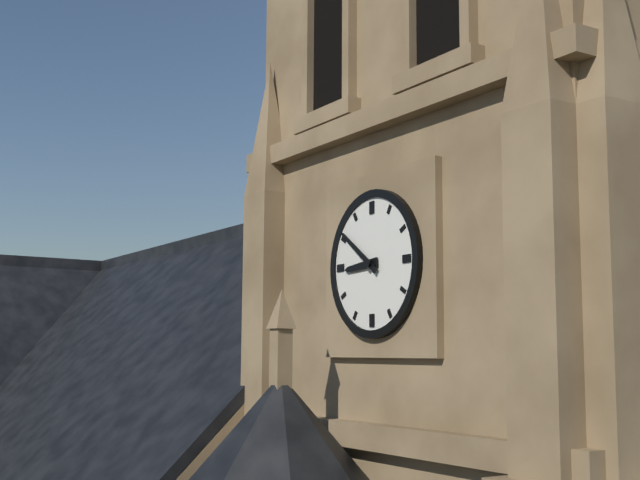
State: 8:51
